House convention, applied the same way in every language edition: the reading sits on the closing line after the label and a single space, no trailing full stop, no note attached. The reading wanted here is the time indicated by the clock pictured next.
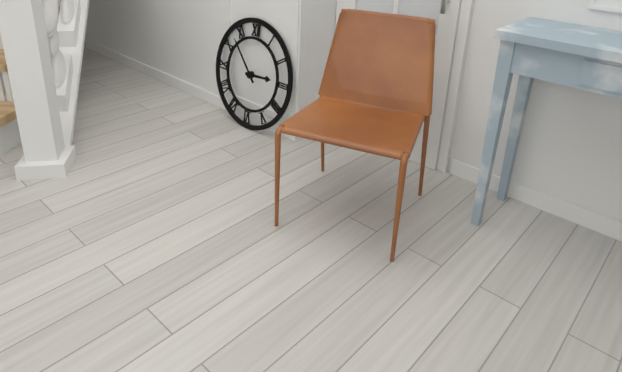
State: 2:53
